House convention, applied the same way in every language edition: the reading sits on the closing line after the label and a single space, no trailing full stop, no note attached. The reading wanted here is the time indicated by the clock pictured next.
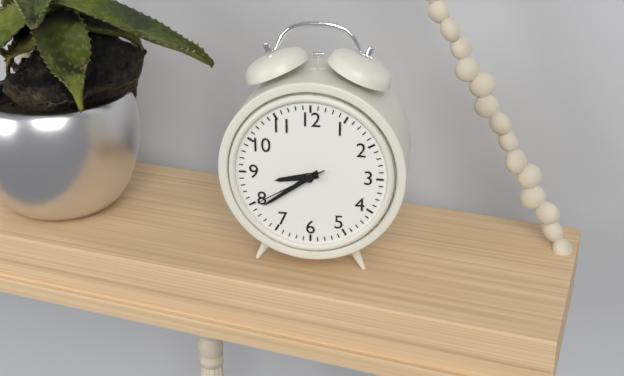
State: 8:39:40
